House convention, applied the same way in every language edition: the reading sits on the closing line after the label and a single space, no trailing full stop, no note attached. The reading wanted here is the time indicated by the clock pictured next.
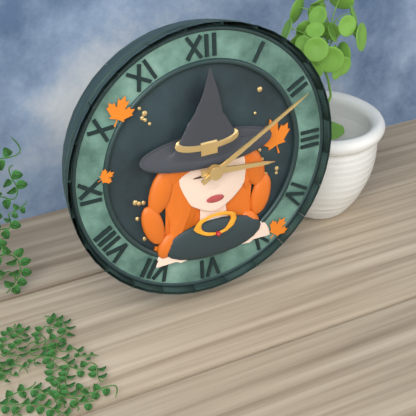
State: 3:10
